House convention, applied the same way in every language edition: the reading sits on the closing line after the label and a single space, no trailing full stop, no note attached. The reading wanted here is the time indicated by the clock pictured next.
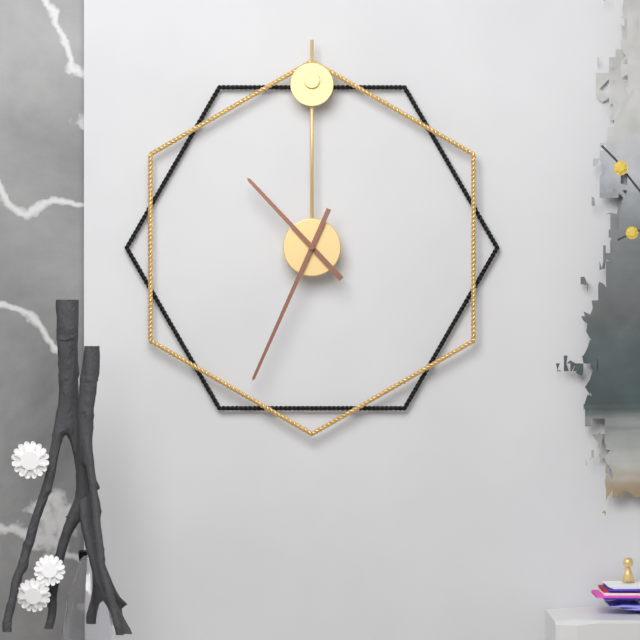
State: 10:34
